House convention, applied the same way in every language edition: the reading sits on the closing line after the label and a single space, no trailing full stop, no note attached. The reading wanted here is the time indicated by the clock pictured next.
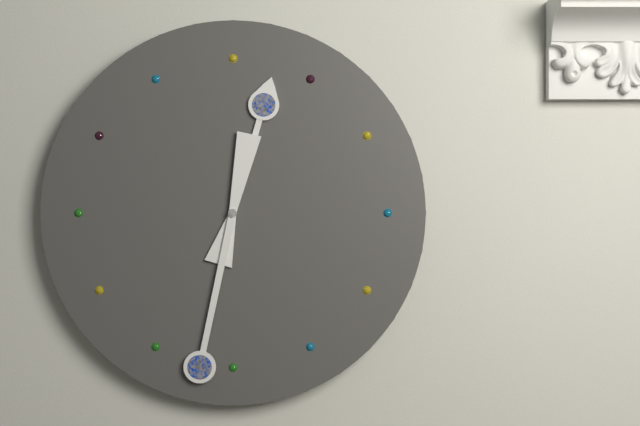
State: 12:32
